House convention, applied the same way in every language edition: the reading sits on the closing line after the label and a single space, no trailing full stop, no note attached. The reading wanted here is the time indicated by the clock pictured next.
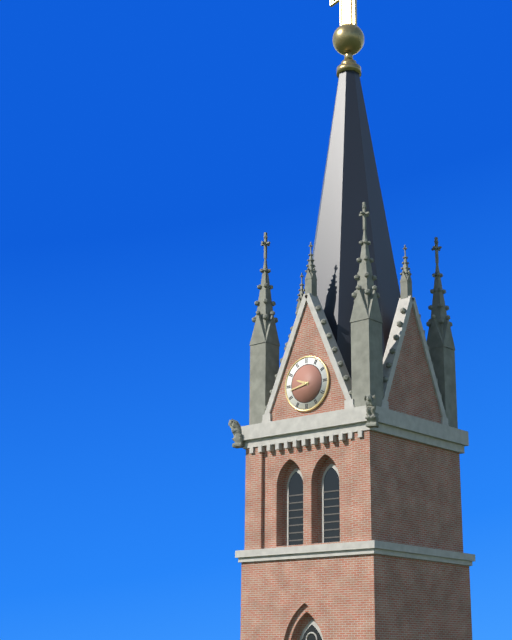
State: 9:43
